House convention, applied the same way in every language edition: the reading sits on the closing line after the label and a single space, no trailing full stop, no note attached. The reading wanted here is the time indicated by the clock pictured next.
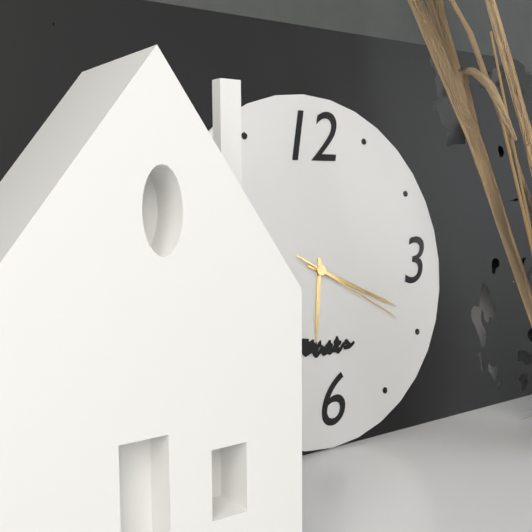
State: 6:19:20
